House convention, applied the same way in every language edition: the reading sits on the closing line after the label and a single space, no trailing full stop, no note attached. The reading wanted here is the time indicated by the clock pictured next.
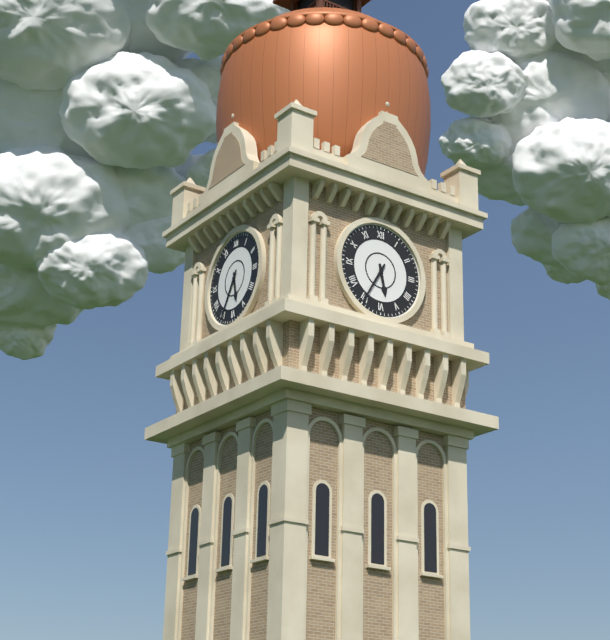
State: 5:35
